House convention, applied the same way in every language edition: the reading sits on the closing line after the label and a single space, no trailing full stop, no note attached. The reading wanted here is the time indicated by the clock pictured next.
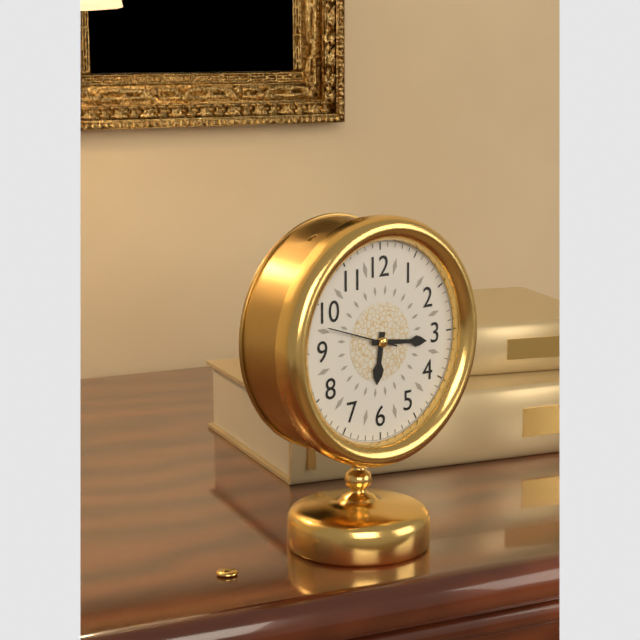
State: 6:16:48
